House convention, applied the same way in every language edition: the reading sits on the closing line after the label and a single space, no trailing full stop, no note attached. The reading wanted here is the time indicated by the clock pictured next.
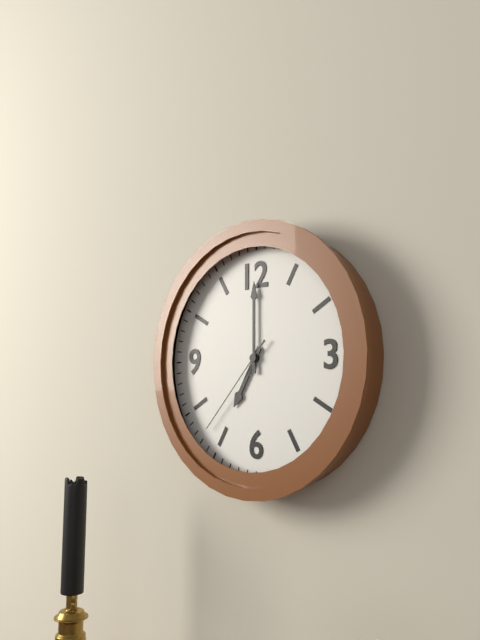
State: 7:00:37
